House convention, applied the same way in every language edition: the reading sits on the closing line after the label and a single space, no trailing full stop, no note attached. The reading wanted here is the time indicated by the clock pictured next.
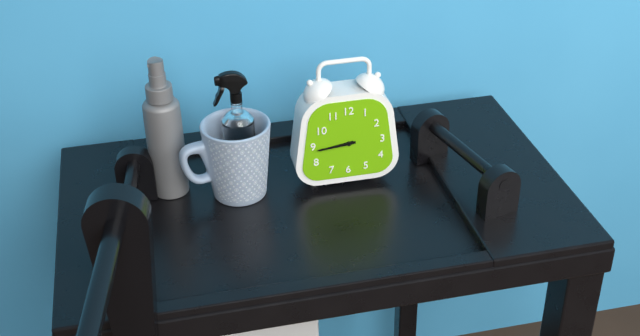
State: 8:44
